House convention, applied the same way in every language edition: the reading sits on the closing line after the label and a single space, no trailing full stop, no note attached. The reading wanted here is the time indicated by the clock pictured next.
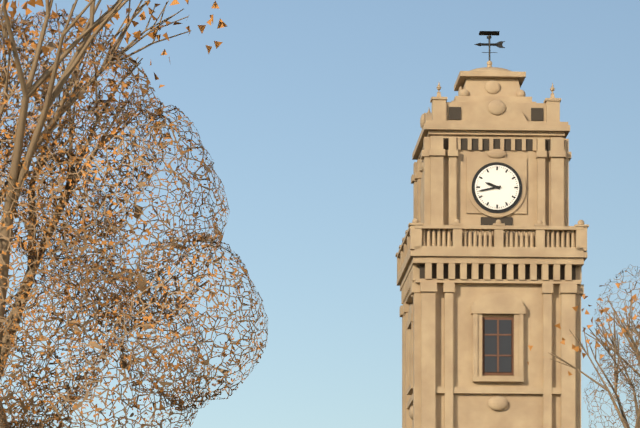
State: 9:43
